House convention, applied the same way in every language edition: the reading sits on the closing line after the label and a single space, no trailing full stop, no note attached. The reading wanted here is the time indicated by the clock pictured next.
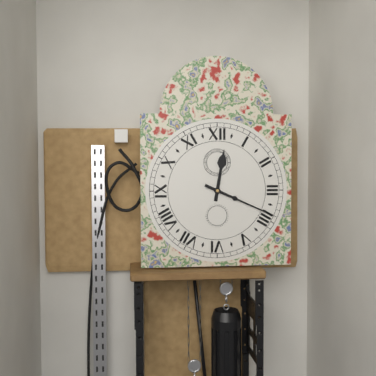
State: 12:19
